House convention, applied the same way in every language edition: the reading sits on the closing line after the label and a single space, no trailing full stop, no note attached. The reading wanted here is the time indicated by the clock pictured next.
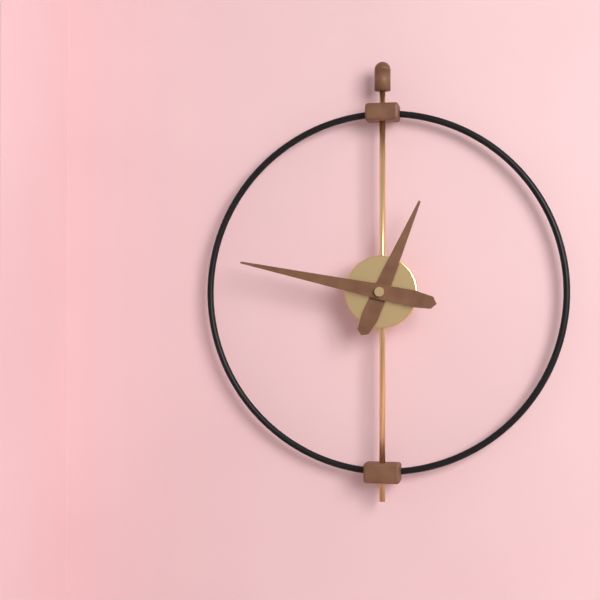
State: 12:47
